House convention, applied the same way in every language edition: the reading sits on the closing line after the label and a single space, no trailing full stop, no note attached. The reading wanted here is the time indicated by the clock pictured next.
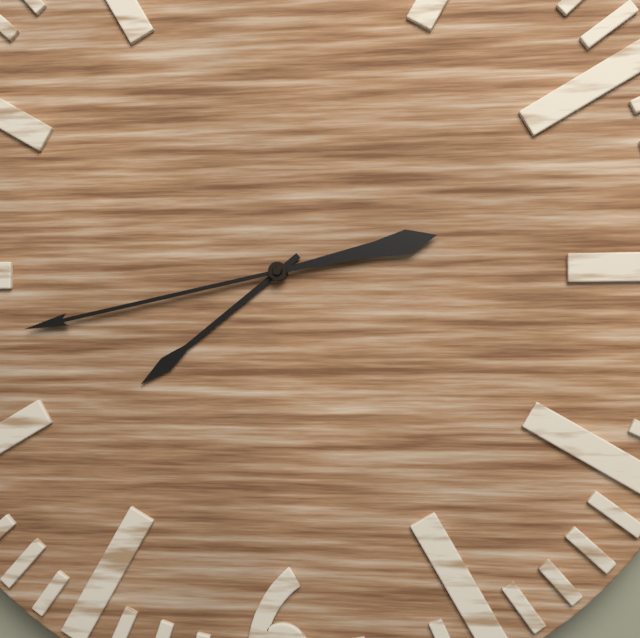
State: 7:43
